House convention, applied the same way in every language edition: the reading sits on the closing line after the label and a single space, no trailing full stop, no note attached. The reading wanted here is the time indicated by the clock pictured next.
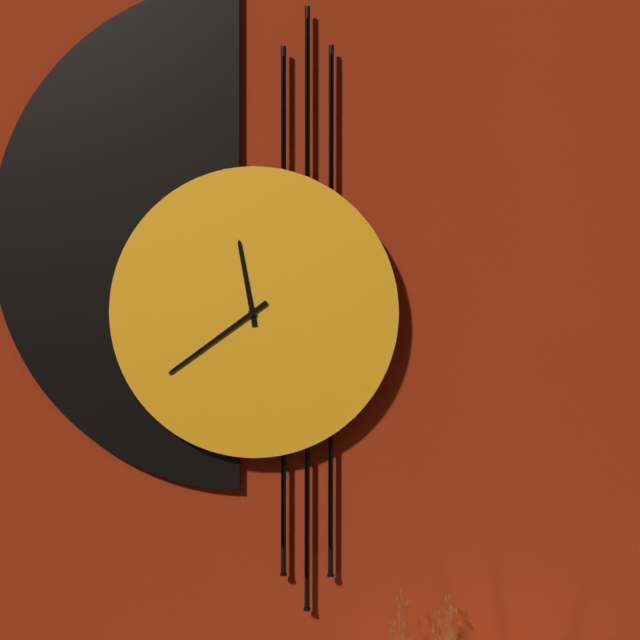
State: 11:39
